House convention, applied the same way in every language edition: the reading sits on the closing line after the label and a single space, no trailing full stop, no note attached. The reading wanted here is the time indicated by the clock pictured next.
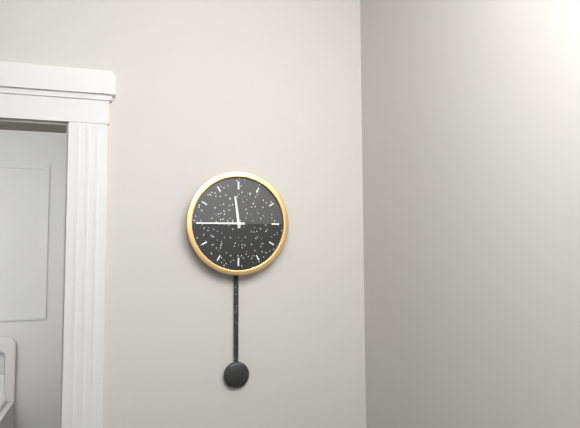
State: 11:45
